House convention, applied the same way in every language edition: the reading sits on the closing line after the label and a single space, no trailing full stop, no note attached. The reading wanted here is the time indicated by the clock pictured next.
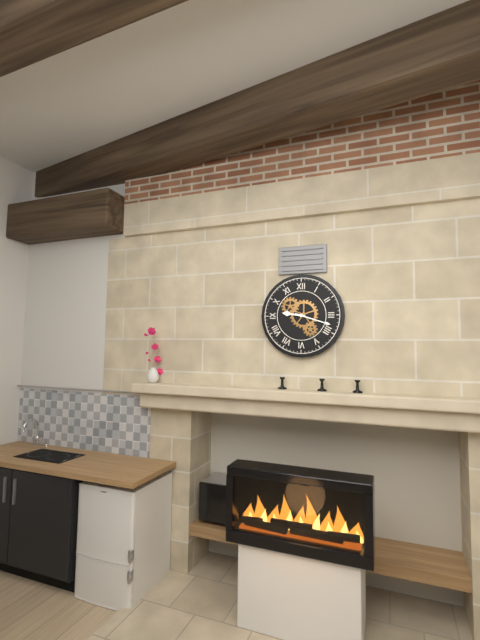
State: 9:18
